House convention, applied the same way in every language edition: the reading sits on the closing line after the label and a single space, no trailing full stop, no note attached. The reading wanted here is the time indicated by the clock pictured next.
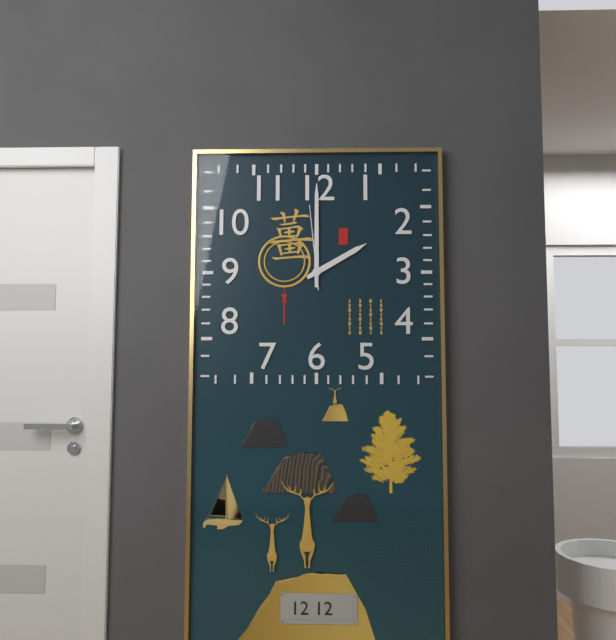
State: 2:00:59
